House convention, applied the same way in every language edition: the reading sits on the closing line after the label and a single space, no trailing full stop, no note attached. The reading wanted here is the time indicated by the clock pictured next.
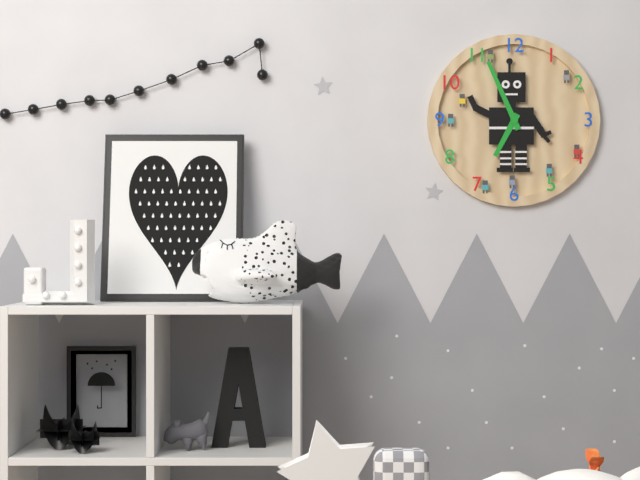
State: 6:56
